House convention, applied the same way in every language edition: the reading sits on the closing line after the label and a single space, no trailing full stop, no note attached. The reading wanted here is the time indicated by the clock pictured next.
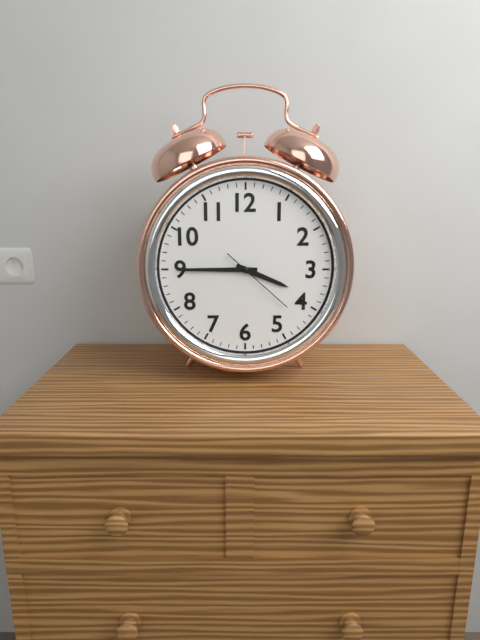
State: 3:45:22
